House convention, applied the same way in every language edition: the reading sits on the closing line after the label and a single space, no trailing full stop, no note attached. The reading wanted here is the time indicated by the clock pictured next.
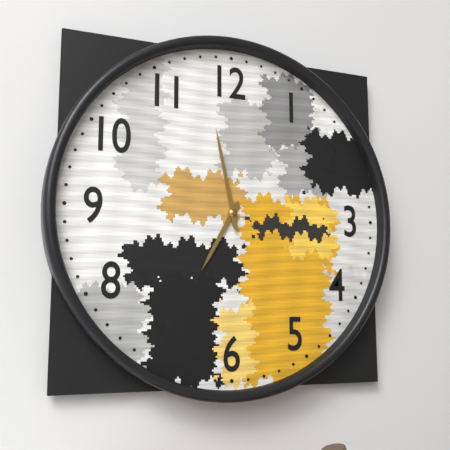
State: 6:58
